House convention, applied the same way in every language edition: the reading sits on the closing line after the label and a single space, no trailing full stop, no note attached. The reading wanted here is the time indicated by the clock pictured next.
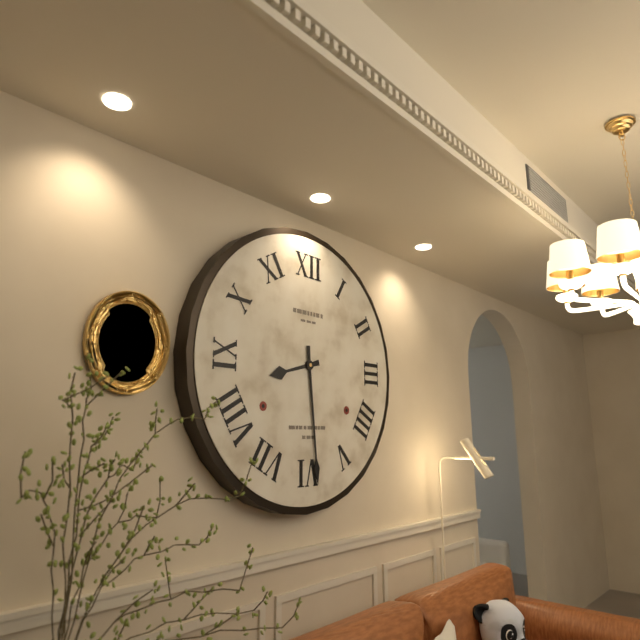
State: 8:29
